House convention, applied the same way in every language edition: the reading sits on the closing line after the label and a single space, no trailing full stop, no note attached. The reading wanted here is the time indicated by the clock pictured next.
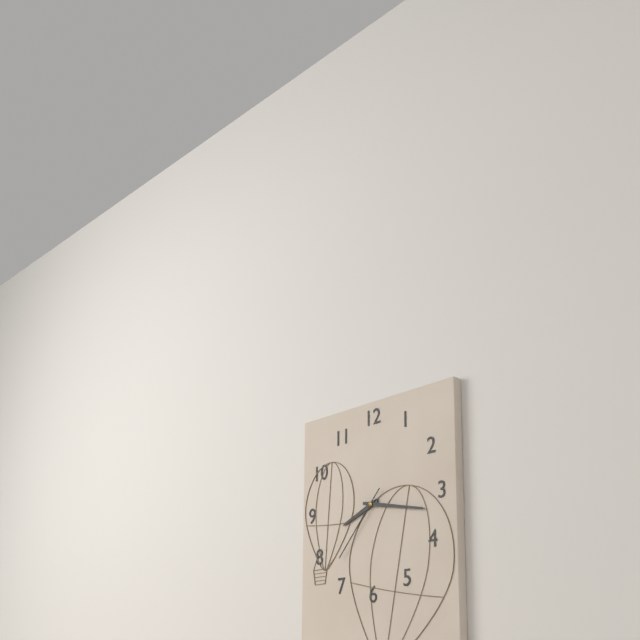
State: 8:17:37
